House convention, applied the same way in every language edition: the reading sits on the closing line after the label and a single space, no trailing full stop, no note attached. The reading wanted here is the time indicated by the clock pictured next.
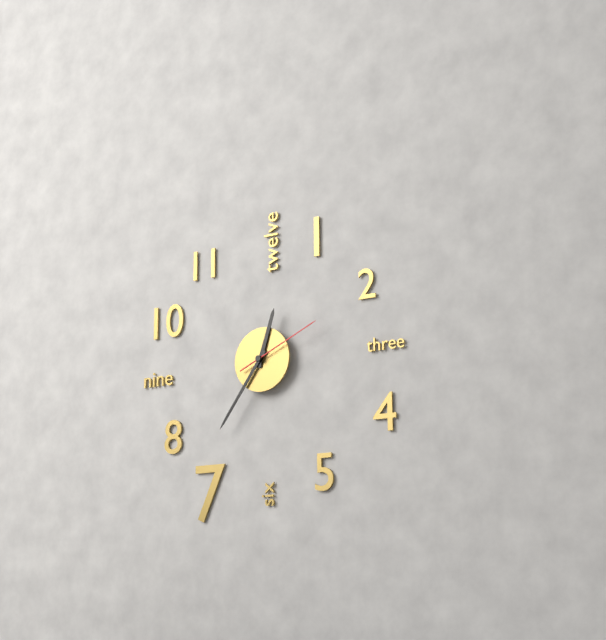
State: 12:36:11
